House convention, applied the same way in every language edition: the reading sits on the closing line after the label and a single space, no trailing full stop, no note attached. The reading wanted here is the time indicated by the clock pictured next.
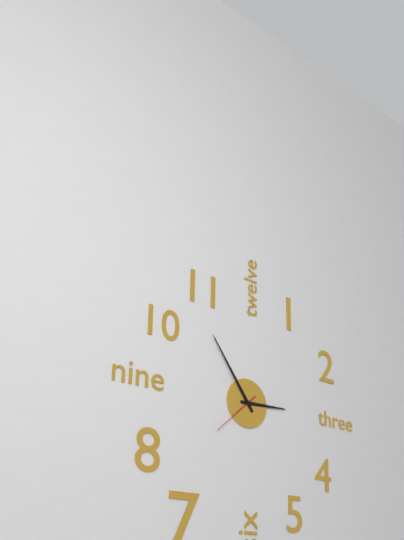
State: 2:54:38
